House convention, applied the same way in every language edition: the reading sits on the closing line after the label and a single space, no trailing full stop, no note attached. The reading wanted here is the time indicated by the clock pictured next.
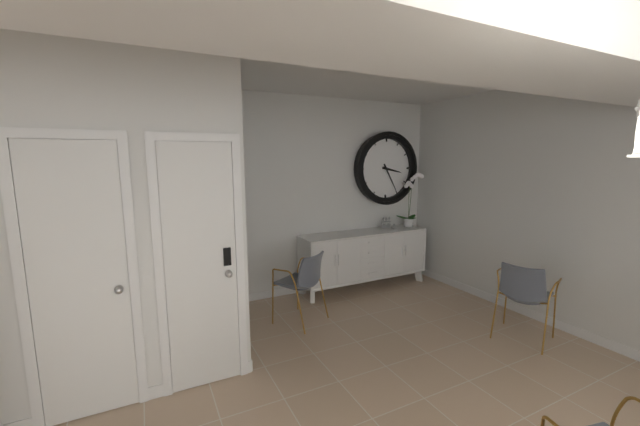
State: 3:25
